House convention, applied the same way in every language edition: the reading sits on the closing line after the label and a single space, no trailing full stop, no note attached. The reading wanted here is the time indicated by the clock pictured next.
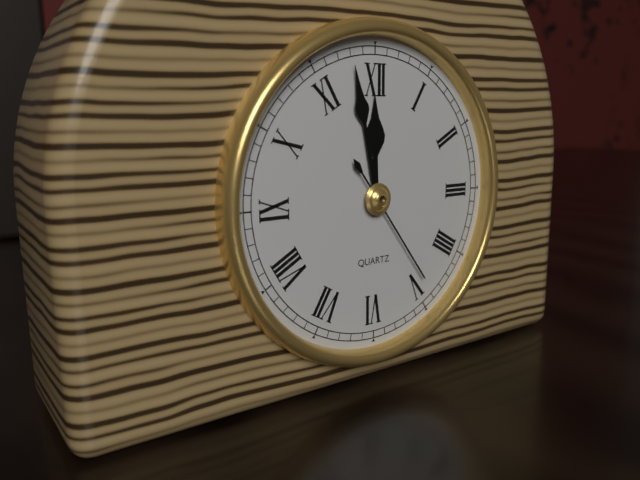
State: 11:58:24
